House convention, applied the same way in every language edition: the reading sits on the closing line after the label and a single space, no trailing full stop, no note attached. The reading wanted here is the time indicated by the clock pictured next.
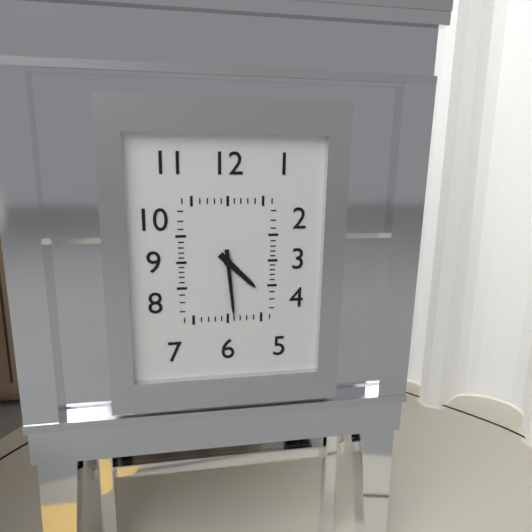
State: 4:29
